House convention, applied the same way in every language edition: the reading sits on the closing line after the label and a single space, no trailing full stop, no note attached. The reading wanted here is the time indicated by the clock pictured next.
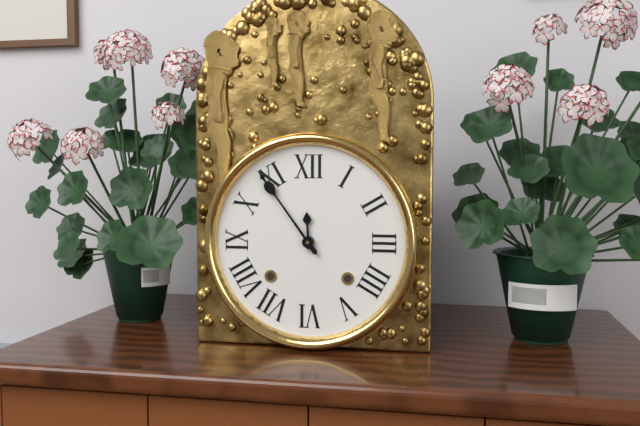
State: 11:54
